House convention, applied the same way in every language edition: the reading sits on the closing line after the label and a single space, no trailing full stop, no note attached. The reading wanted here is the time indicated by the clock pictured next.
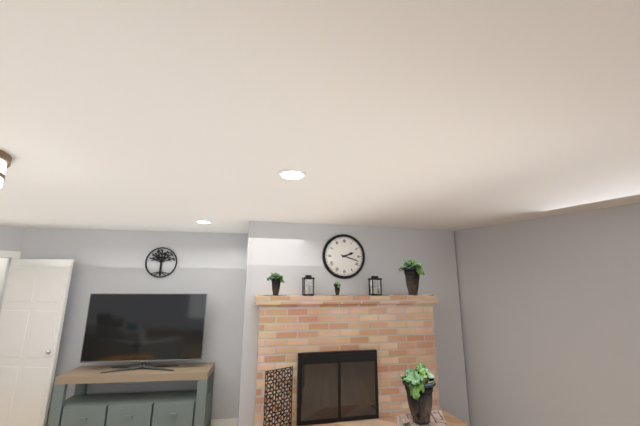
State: 2:18
